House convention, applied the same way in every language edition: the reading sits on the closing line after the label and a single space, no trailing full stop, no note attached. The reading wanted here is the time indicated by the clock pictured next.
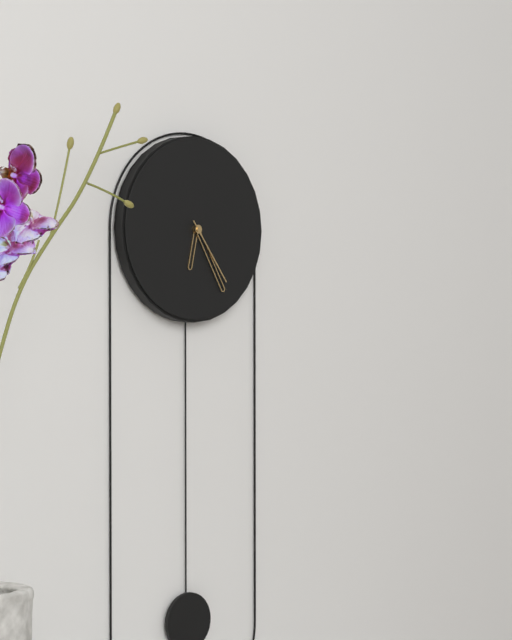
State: 6:25:24
